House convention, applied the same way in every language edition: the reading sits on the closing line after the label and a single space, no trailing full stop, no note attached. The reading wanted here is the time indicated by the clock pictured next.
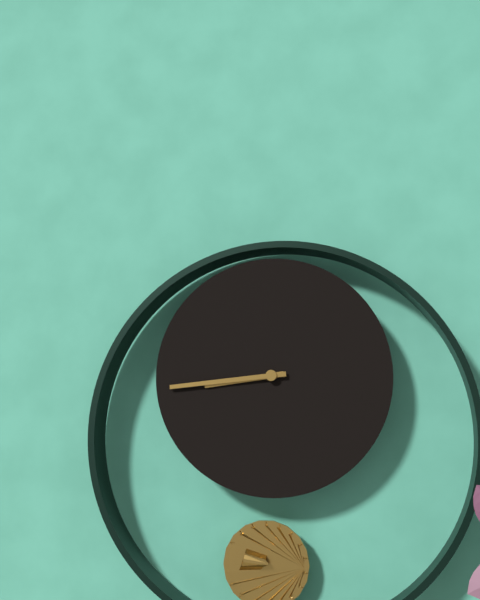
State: 8:44
